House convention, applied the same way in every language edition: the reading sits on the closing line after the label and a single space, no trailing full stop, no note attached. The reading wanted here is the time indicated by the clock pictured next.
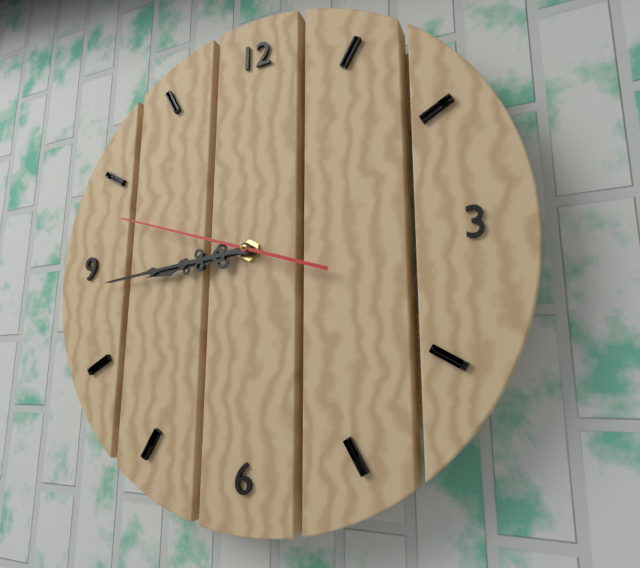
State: 8:44:48
